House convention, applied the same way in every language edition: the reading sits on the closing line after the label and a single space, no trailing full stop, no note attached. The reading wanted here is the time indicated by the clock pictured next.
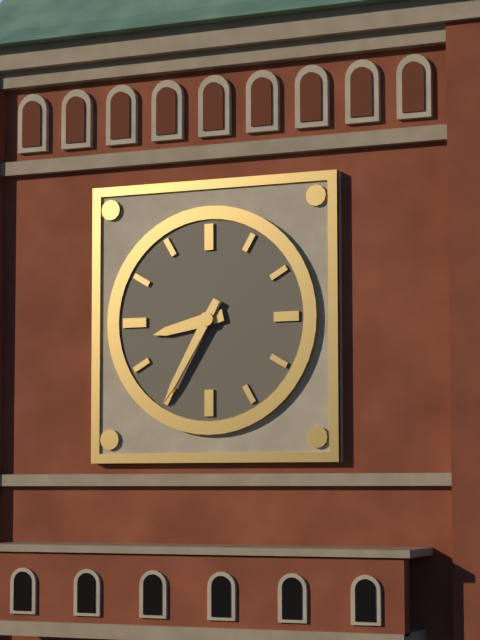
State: 8:35
